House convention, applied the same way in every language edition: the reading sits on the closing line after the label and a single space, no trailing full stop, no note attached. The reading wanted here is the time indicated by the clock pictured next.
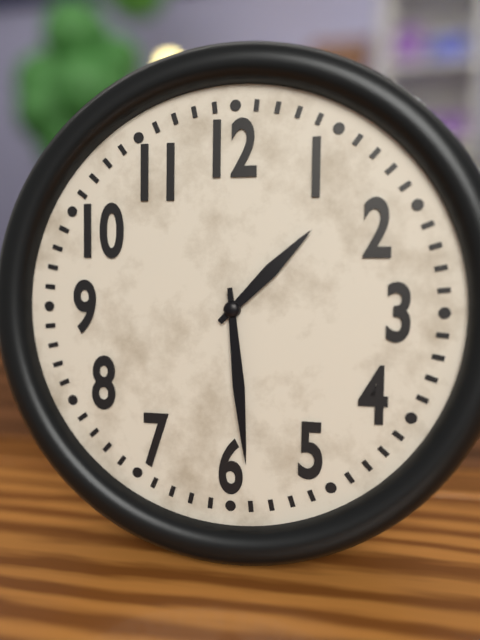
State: 1:29
